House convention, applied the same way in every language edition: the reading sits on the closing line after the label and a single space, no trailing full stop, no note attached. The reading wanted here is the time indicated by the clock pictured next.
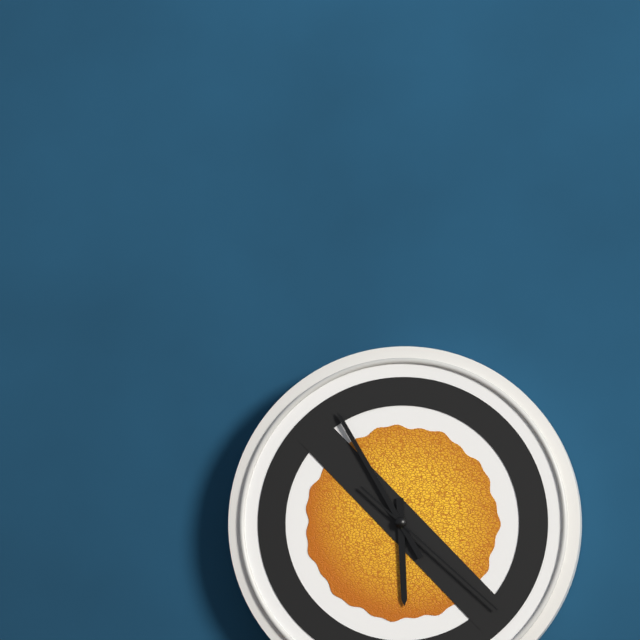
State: 5:55:22
